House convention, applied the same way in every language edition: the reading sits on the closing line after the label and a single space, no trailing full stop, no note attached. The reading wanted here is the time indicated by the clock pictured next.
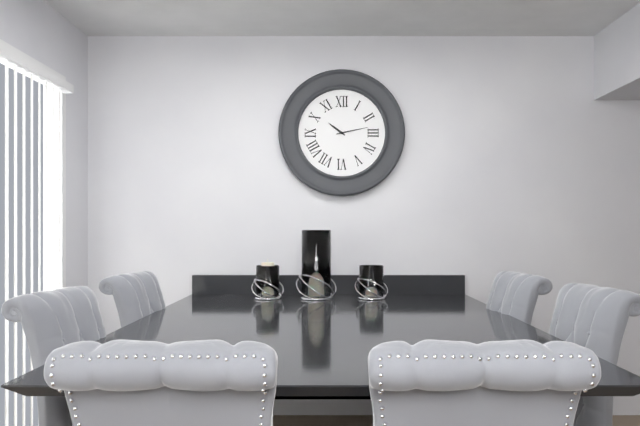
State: 10:13
